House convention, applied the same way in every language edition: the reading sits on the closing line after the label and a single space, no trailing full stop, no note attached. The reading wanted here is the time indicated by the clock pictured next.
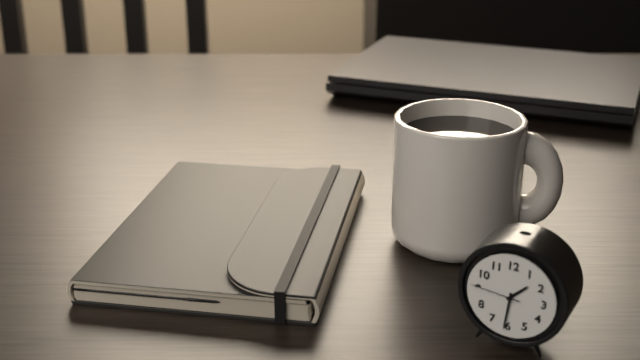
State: 1:31:46
